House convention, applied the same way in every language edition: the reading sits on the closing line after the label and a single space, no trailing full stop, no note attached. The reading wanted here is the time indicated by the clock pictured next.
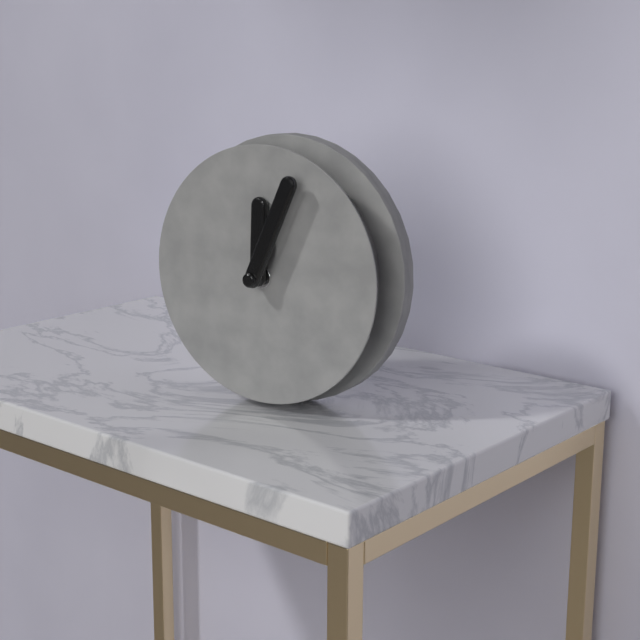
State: 12:04
